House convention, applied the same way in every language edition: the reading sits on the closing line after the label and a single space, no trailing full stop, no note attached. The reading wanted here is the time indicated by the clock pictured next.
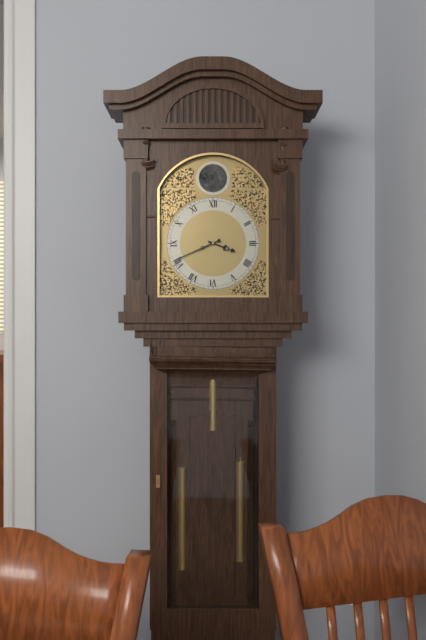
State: 3:41
